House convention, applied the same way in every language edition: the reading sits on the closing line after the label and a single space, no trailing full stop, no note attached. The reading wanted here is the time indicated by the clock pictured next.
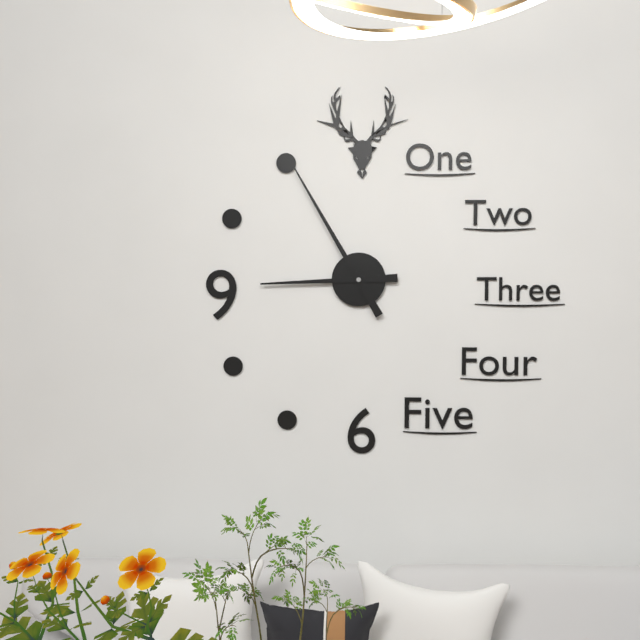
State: 8:55
